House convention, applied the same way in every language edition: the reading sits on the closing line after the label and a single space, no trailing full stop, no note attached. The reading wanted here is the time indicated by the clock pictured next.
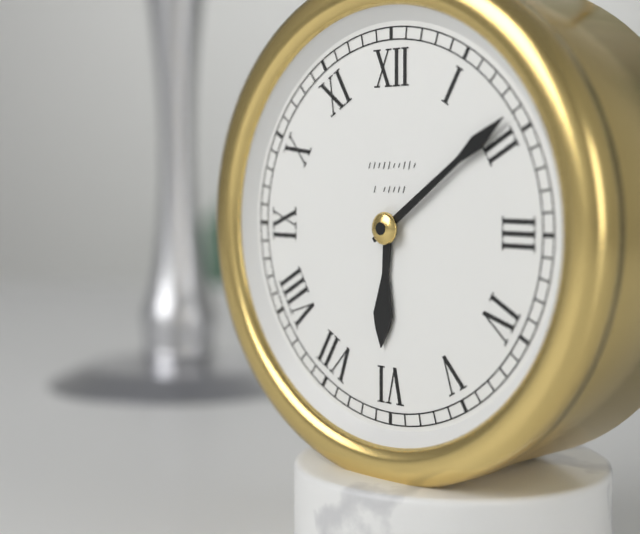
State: 6:09
